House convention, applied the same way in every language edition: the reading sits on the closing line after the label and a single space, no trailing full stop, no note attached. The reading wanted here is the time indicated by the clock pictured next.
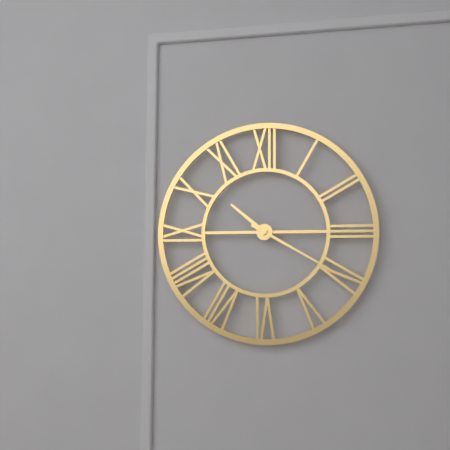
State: 10:20
